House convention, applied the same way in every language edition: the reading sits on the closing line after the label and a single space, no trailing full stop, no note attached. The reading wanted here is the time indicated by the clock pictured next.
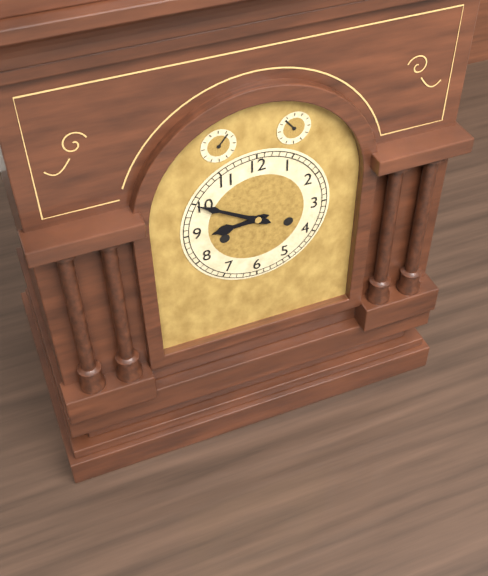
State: 8:50
